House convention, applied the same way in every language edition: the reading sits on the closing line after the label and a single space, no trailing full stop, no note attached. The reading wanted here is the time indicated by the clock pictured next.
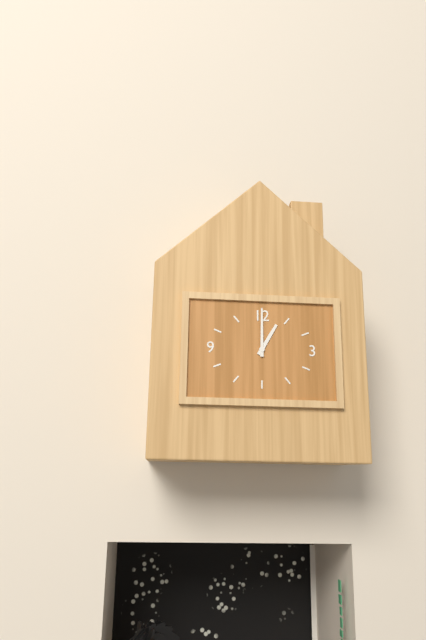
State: 1:00
